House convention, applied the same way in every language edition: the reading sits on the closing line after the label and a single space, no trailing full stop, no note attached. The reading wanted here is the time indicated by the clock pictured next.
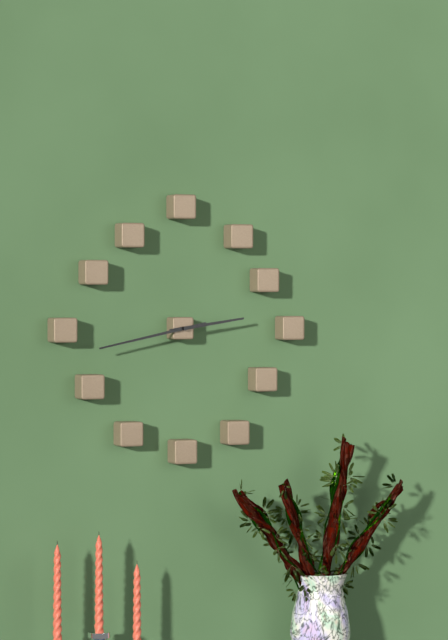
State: 2:43
